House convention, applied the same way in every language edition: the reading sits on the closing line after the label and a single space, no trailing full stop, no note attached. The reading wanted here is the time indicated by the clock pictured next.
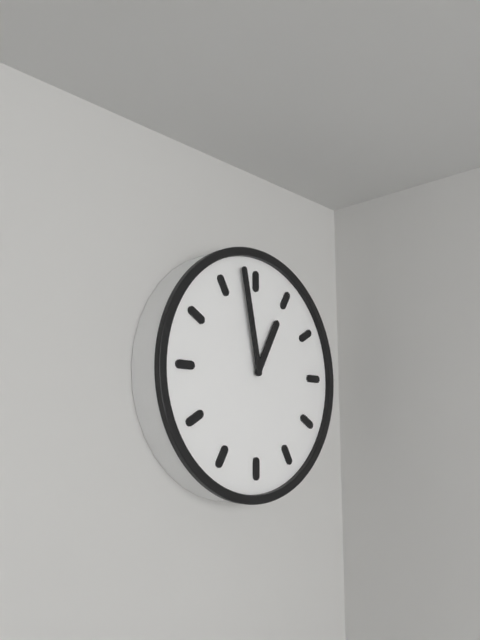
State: 12:58
